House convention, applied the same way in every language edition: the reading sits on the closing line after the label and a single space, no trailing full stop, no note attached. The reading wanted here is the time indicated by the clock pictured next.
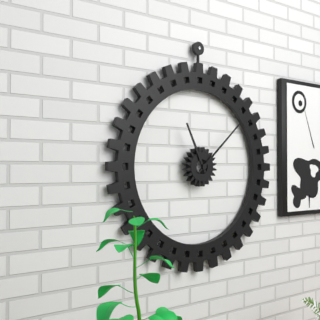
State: 11:08
